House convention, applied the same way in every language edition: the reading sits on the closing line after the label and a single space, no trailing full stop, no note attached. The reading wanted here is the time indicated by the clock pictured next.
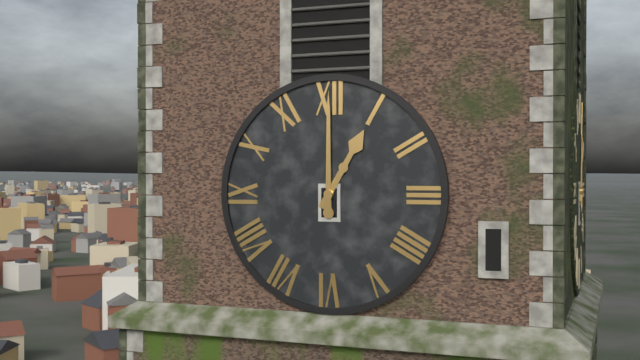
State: 1:00
